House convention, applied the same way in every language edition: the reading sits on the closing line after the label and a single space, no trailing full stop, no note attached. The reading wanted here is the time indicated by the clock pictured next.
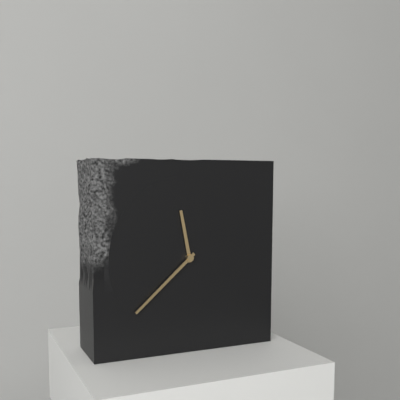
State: 11:38
